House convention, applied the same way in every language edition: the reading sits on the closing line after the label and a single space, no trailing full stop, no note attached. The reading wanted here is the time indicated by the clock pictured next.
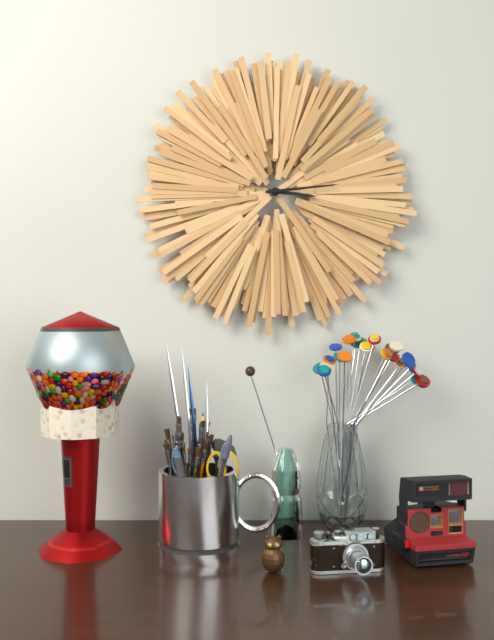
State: 3:14
